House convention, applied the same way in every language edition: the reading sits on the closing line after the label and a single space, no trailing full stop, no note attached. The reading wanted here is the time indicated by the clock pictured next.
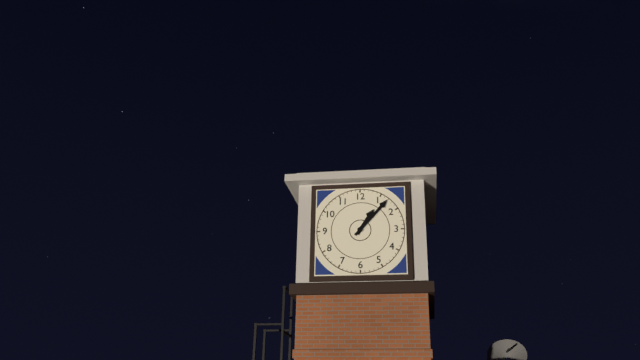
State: 1:07
